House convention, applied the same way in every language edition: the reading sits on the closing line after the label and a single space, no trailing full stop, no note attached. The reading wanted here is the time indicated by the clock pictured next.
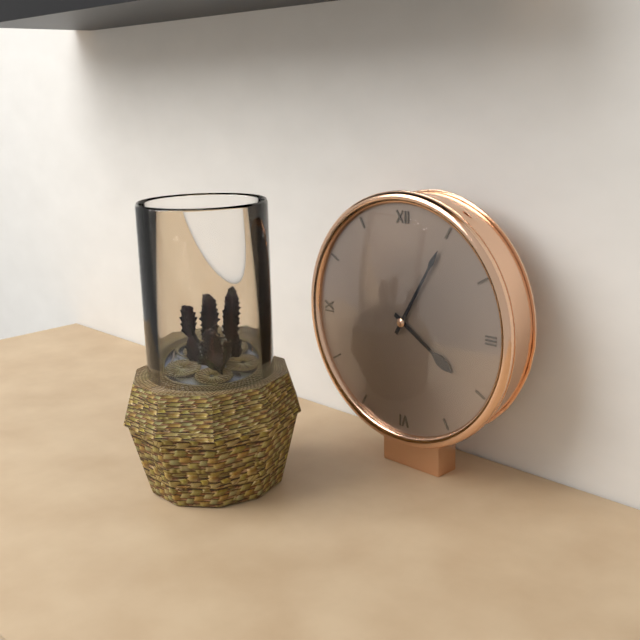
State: 4:05
